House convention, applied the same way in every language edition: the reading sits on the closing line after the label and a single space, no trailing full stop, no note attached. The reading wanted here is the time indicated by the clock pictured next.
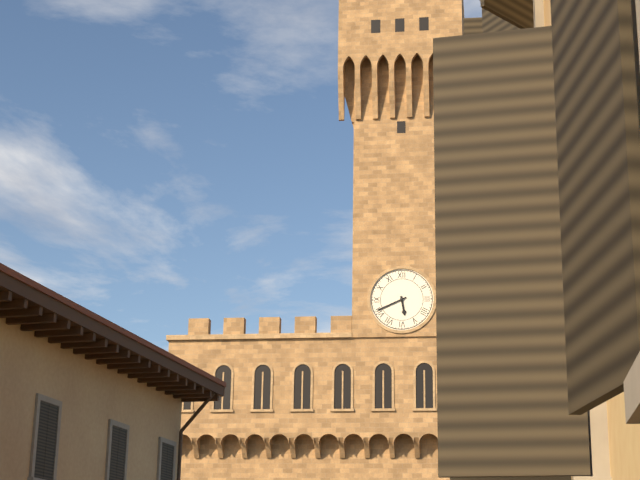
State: 5:41
